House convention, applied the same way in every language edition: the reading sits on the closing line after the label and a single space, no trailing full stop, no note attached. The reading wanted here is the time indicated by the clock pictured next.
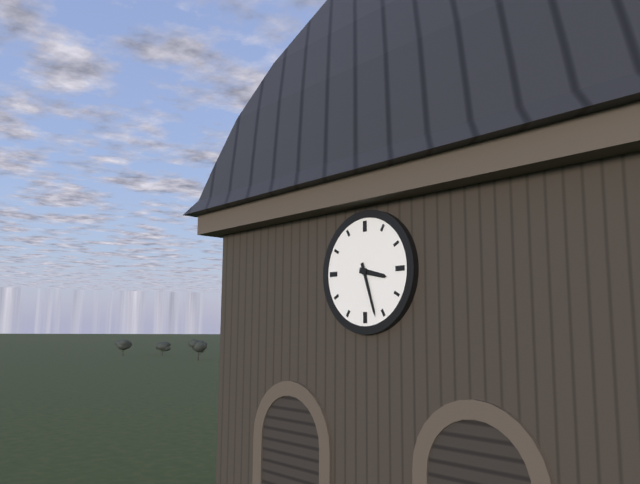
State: 3:27
